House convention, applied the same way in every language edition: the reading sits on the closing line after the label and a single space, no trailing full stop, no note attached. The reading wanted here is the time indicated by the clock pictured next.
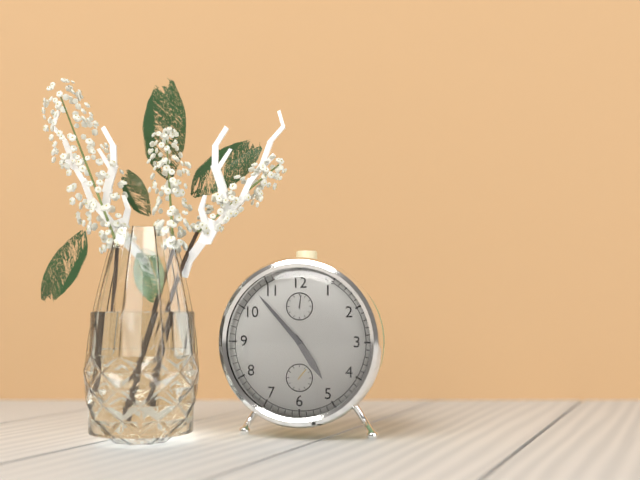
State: 4:53
